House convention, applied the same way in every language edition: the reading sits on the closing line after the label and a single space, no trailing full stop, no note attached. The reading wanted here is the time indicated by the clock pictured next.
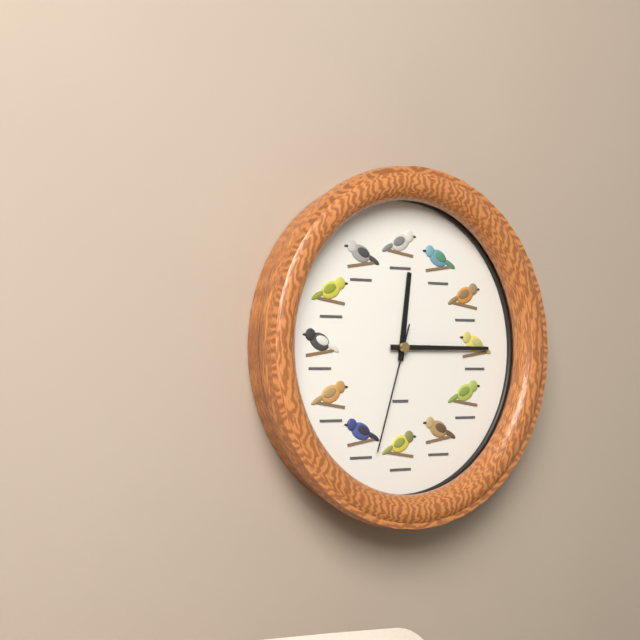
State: 12:15:33
